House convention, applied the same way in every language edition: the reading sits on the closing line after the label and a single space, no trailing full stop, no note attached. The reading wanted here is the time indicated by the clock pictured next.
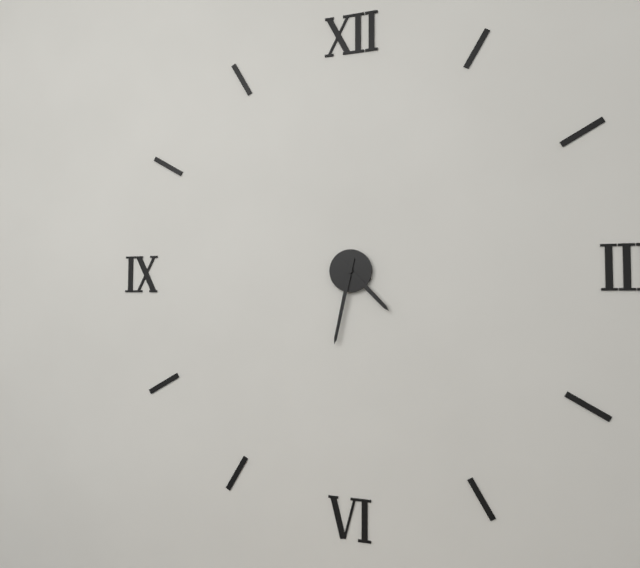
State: 4:32
